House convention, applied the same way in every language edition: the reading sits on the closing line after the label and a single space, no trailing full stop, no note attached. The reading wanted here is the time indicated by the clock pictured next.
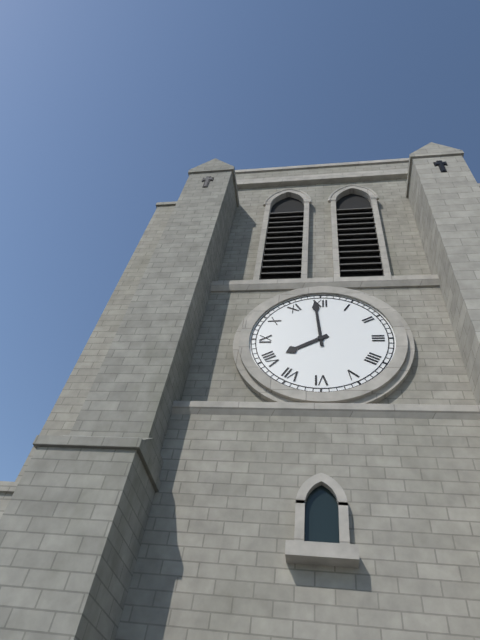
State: 7:59
